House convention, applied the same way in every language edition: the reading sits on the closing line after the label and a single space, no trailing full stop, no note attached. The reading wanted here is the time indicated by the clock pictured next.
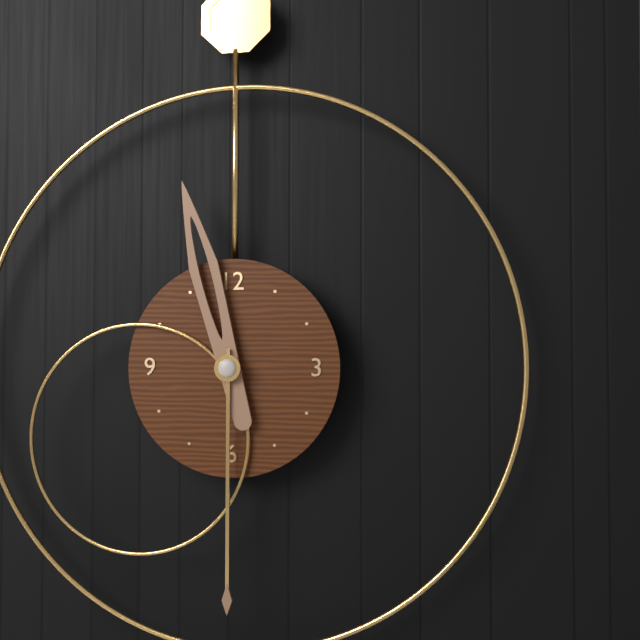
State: 11:30
